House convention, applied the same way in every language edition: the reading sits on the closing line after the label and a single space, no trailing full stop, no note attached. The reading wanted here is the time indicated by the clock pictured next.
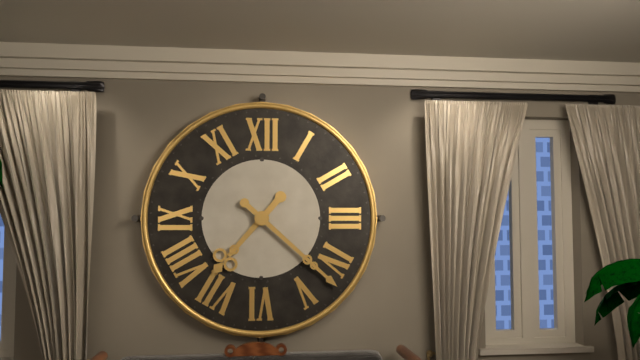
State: 7:22
